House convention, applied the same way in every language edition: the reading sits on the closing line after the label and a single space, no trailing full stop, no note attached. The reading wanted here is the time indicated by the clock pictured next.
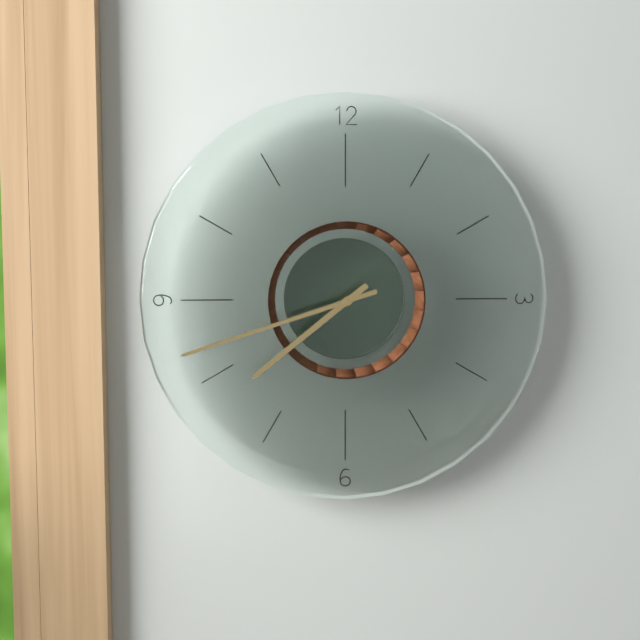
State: 7:42
